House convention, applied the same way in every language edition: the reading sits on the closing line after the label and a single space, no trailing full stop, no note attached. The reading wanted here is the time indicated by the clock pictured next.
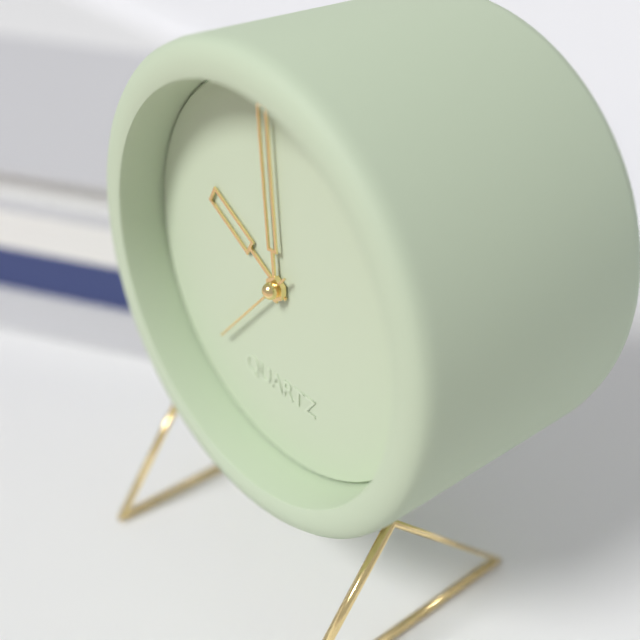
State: 9:59:37
